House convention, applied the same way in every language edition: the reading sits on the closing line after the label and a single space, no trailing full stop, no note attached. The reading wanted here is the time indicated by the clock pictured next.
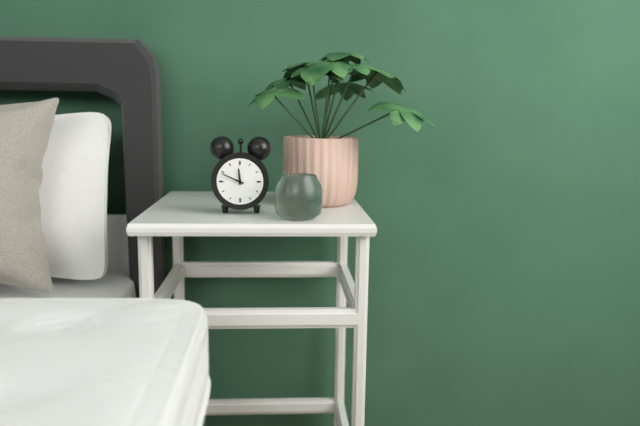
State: 11:49
